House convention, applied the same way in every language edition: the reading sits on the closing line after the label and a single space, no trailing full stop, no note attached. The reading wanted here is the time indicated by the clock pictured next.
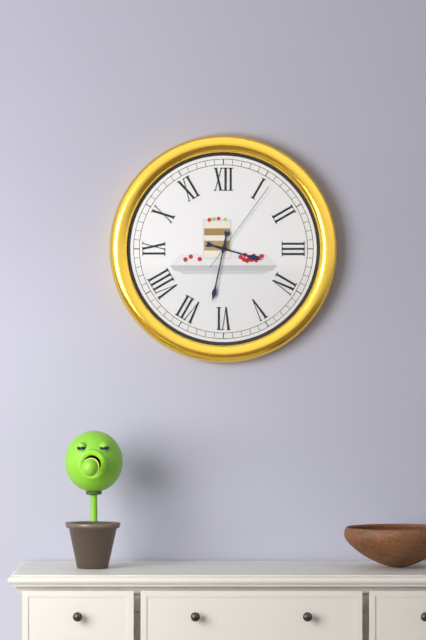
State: 3:32:06
